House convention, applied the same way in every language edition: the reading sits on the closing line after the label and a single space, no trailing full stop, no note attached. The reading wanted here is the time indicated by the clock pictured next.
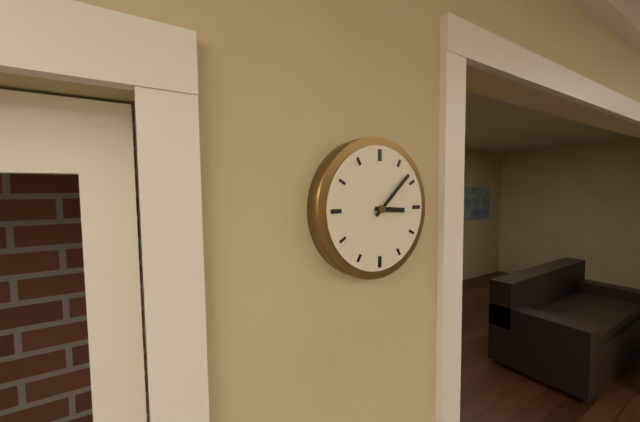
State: 3:08
